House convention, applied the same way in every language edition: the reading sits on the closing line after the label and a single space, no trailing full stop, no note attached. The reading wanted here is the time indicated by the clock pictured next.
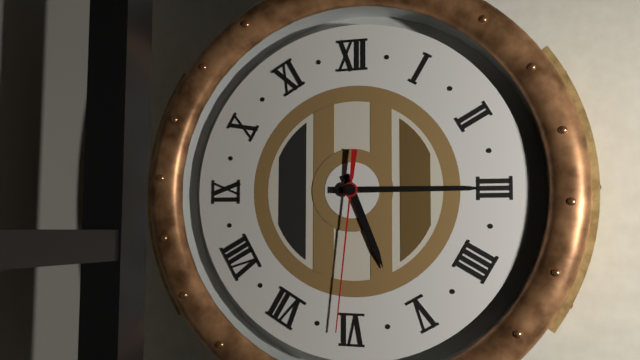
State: 5:15:31
